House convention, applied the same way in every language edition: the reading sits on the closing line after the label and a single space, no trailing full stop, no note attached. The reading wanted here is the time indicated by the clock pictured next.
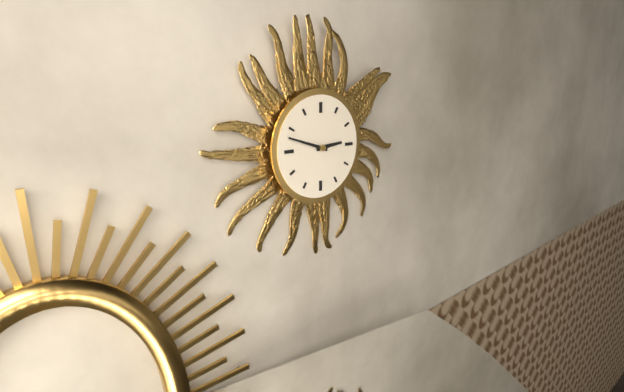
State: 2:48
